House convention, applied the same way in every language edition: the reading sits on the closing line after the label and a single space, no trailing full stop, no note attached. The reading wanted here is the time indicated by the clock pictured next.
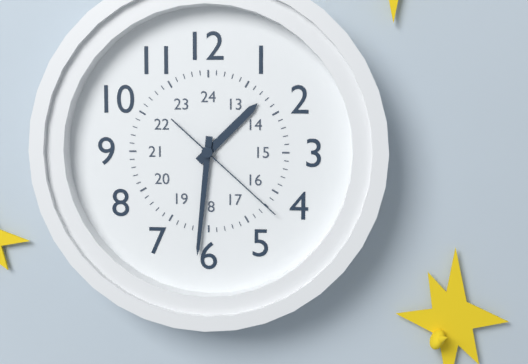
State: 1:31:22
